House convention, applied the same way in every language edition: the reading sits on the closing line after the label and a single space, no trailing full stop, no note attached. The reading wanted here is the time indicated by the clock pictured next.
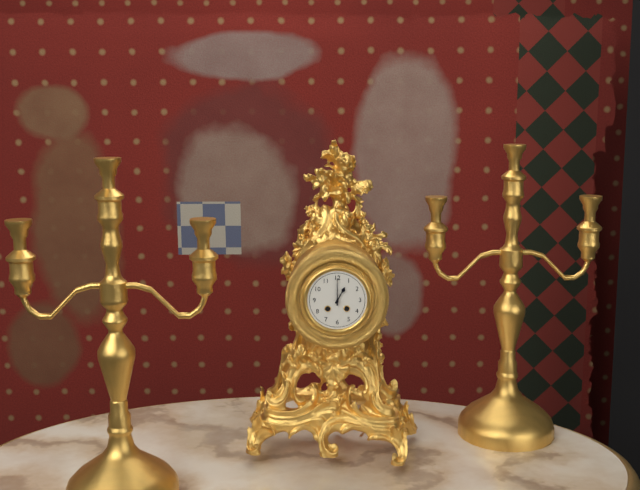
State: 1:00
